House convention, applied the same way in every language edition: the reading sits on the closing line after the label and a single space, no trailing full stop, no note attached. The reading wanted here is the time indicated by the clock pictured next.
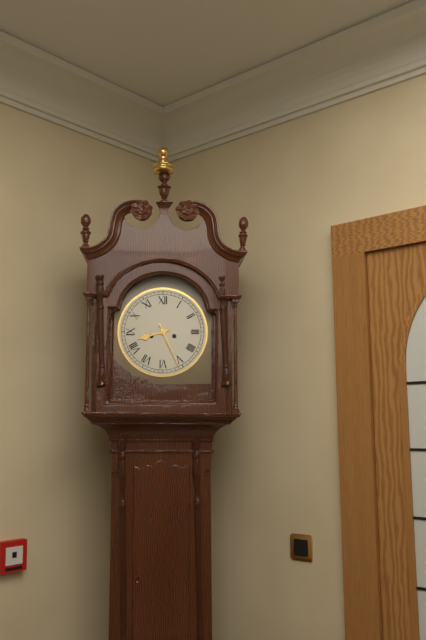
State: 8:26
